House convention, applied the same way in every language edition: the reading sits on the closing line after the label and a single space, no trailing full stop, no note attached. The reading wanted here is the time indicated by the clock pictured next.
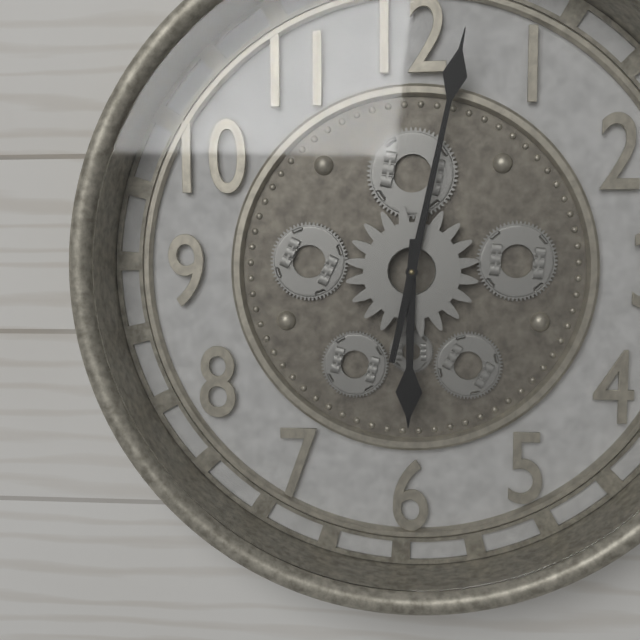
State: 6:02
